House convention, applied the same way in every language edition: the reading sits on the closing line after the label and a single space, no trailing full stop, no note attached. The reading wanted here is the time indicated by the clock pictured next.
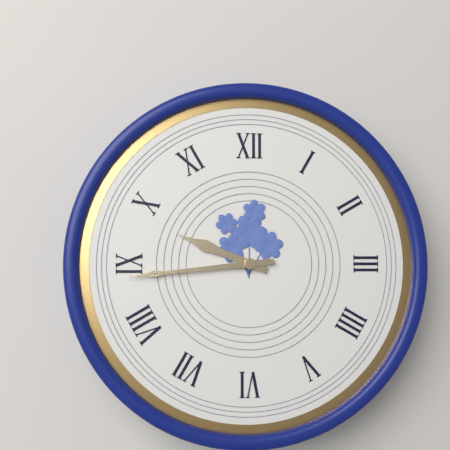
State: 9:44
